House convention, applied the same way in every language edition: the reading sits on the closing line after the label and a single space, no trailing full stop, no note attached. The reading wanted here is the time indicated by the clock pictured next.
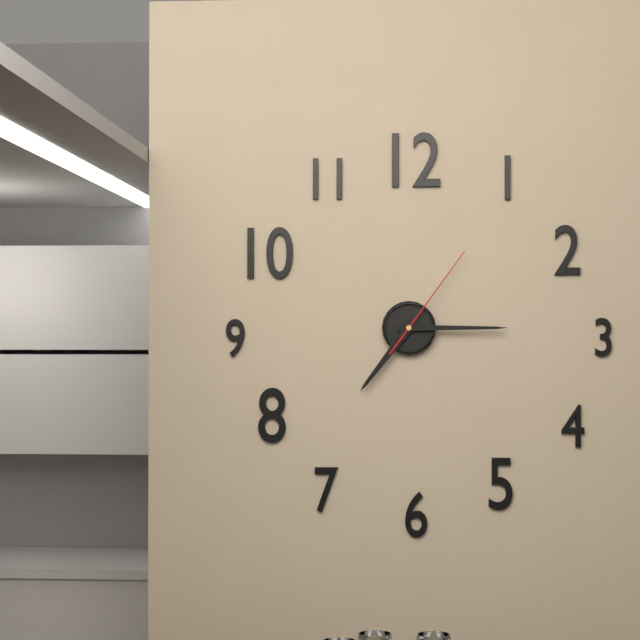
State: 7:15:06
